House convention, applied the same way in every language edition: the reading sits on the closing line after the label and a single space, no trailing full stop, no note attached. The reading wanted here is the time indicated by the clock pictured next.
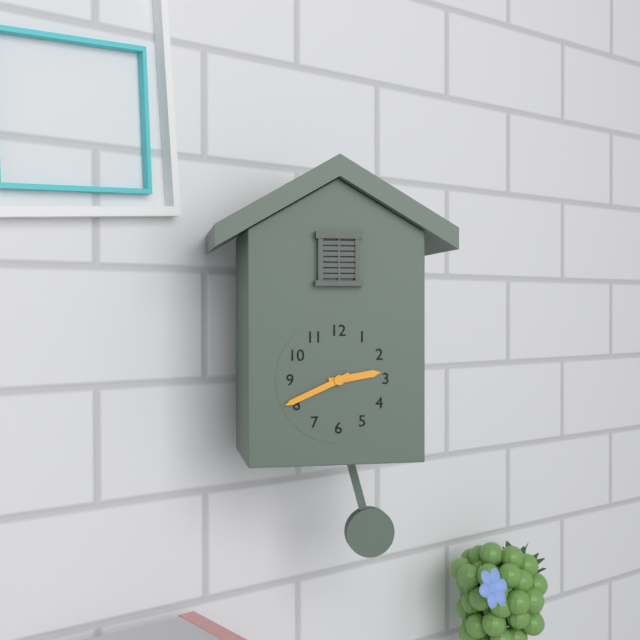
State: 2:41
